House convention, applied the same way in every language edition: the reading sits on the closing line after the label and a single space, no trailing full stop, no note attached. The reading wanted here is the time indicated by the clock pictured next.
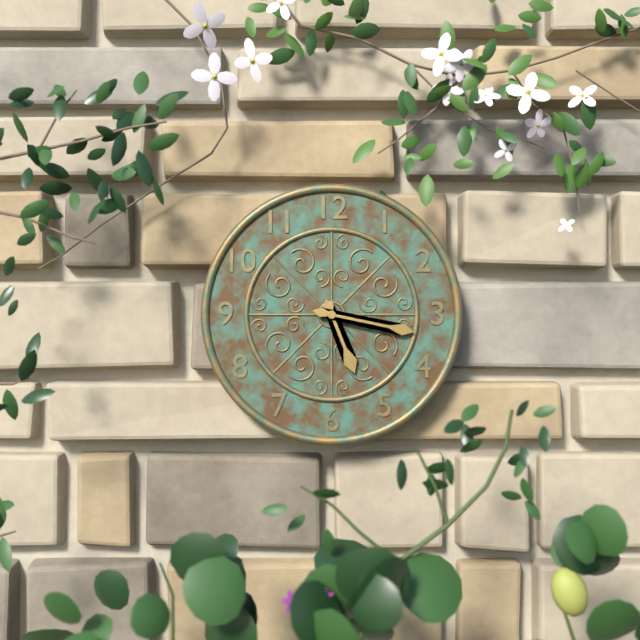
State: 5:17
